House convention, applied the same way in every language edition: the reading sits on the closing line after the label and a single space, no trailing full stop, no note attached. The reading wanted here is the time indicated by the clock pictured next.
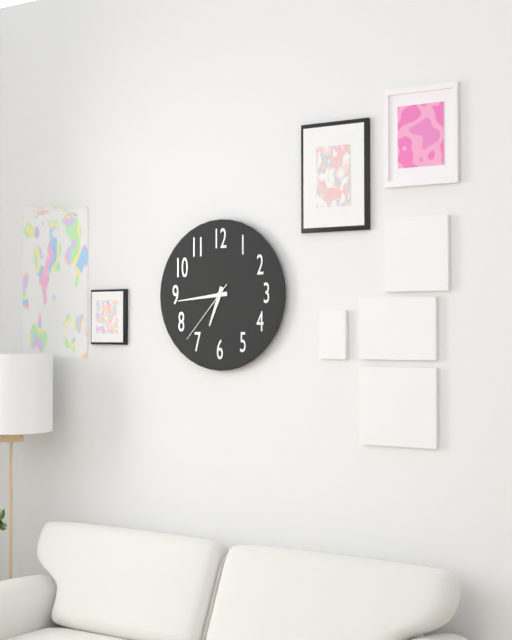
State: 6:44:37
